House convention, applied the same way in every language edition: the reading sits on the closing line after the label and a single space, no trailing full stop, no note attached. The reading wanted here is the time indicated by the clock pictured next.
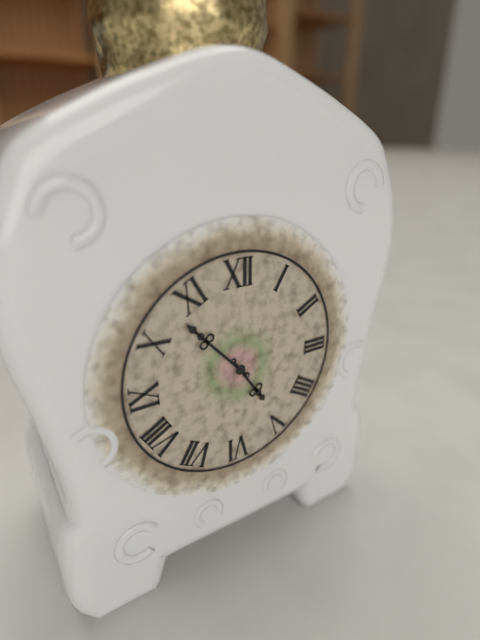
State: 4:53
